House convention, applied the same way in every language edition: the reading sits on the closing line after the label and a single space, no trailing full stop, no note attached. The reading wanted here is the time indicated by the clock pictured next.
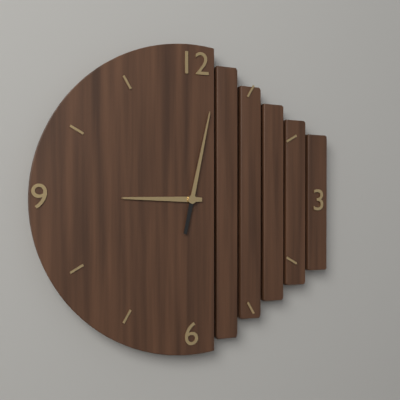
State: 9:02
